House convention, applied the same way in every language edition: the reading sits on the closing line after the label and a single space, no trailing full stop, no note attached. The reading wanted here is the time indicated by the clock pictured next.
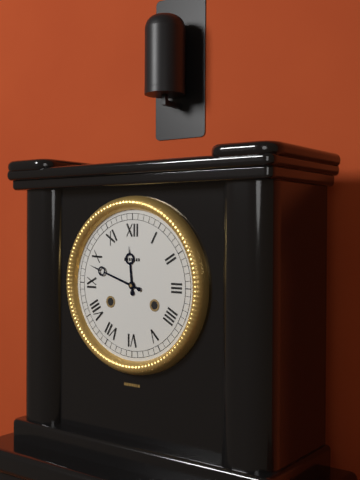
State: 11:48
